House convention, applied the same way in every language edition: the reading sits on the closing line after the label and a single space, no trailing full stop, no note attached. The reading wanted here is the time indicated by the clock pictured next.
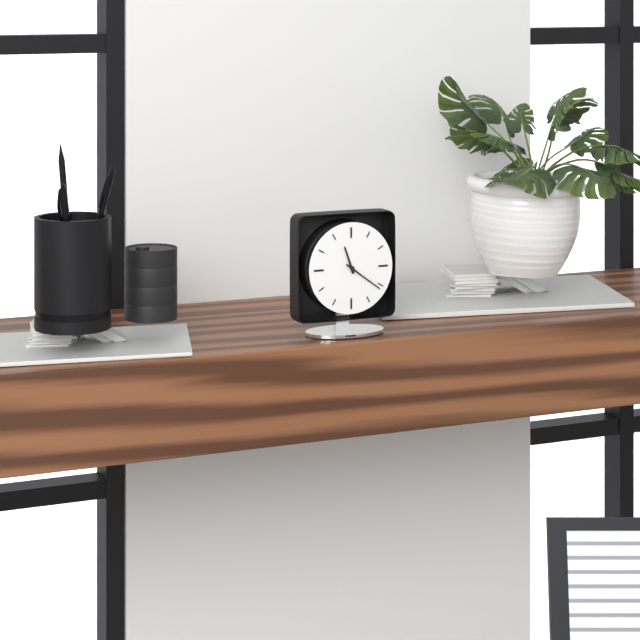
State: 11:21
